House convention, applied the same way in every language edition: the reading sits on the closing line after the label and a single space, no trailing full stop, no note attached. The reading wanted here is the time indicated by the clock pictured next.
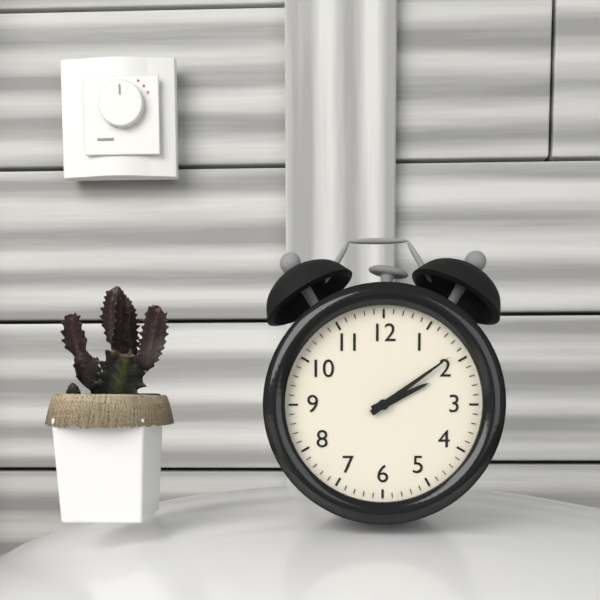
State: 2:09
